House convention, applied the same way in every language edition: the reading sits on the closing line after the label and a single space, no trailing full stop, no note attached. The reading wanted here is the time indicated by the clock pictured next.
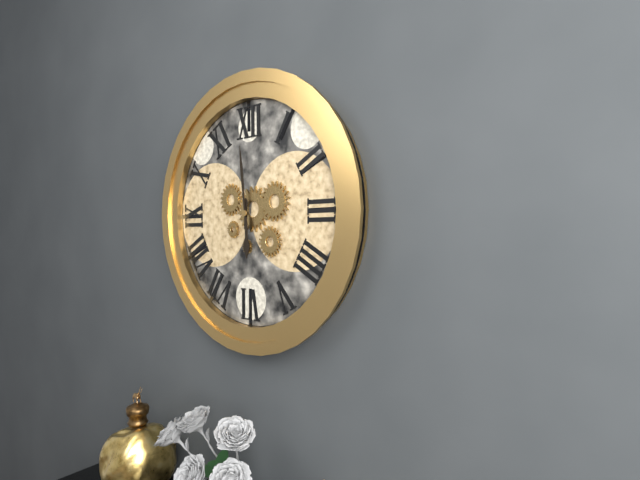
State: 5:59
